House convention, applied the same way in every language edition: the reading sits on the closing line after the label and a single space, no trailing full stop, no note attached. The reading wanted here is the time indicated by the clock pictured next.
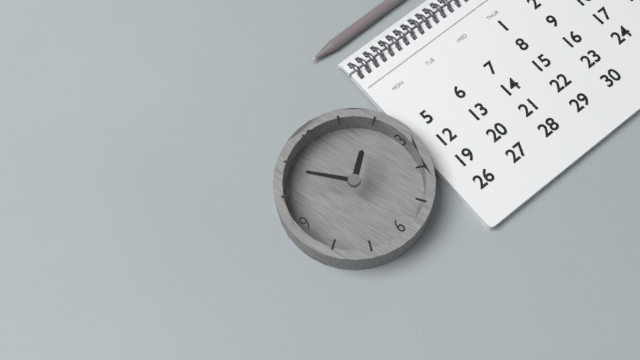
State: 1:54
